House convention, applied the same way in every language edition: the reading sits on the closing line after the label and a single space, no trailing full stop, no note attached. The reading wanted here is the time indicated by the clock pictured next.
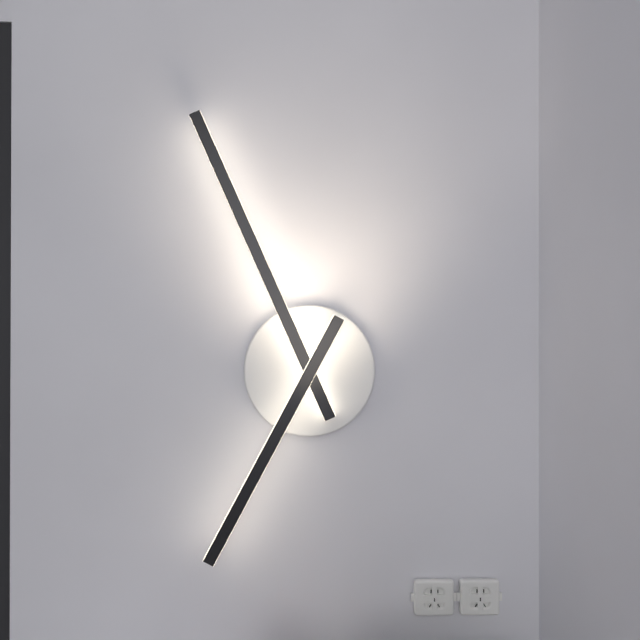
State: 6:56
